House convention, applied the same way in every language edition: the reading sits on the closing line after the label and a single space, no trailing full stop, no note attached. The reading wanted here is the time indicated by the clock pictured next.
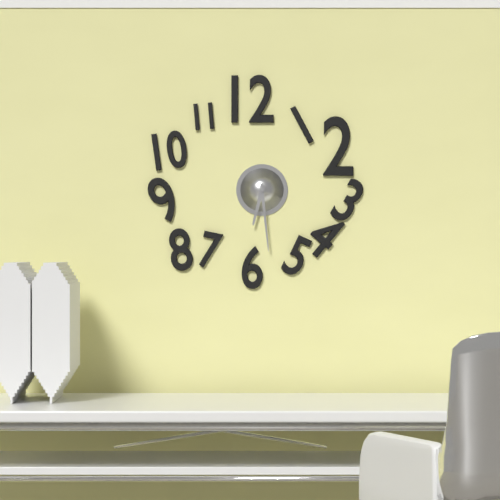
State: 6:29
